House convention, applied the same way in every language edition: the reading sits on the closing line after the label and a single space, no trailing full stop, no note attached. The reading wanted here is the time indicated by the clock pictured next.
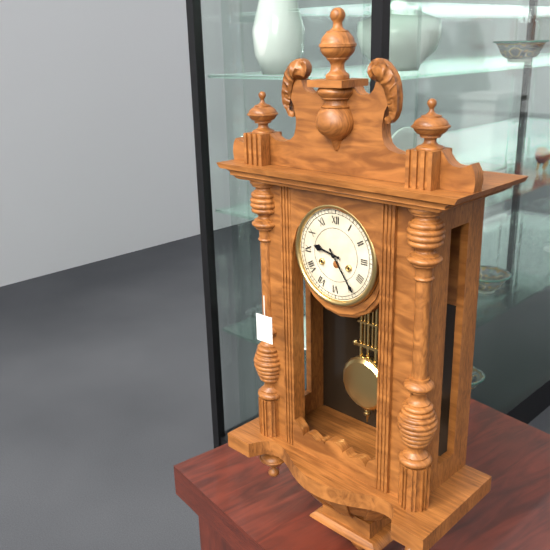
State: 9:24
